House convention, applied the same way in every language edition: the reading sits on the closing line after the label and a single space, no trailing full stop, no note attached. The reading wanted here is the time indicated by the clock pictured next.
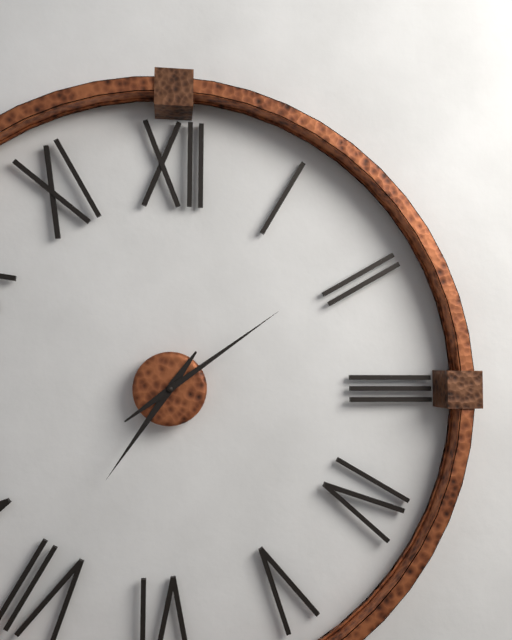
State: 7:09
